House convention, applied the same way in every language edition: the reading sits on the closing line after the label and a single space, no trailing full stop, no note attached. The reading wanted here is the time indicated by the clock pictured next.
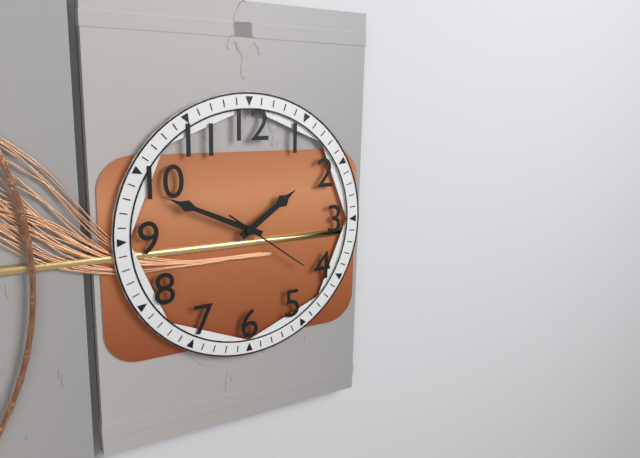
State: 1:49:21
